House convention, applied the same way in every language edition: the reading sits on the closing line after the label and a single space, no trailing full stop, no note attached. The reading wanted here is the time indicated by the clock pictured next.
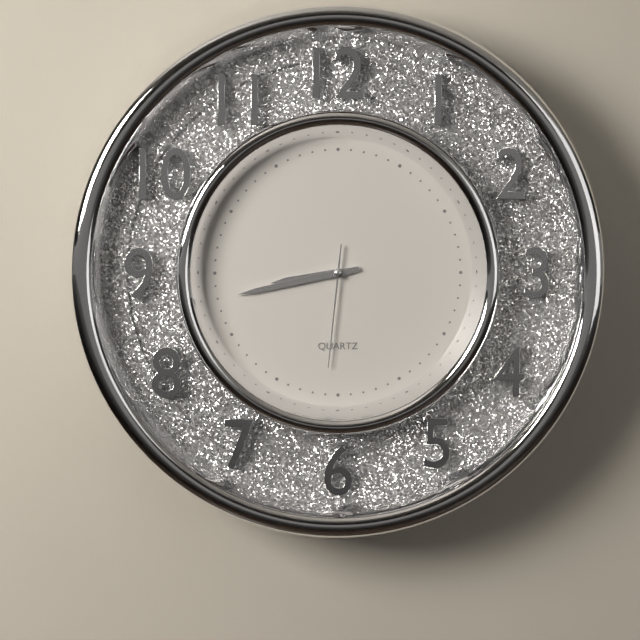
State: 8:43:31
